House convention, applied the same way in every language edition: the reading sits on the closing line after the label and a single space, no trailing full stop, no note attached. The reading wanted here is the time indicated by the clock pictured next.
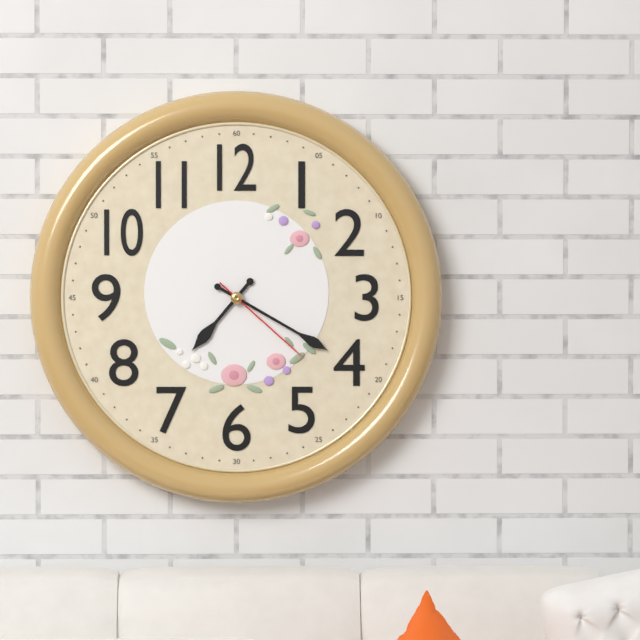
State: 7:20:22
